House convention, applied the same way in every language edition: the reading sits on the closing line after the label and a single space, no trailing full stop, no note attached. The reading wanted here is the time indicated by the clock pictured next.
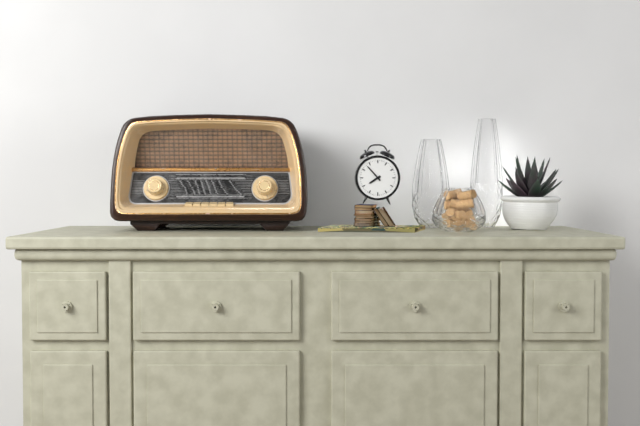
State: 7:53
